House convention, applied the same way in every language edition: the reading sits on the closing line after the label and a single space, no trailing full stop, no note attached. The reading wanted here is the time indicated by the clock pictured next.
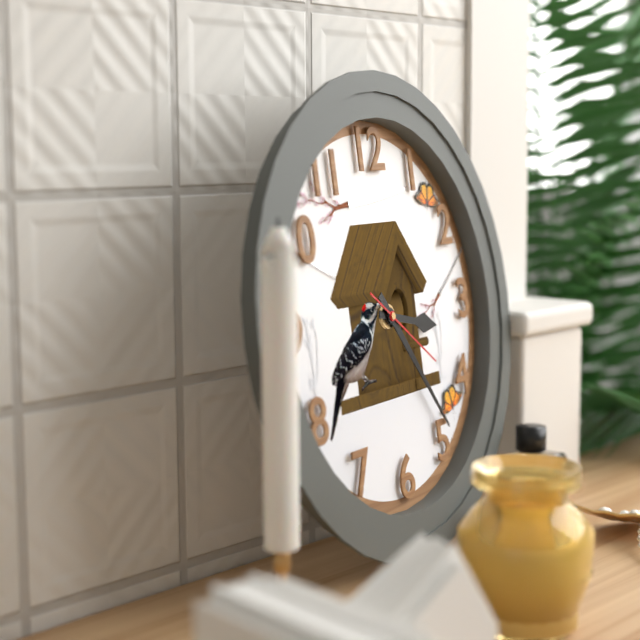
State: 3:24:21
